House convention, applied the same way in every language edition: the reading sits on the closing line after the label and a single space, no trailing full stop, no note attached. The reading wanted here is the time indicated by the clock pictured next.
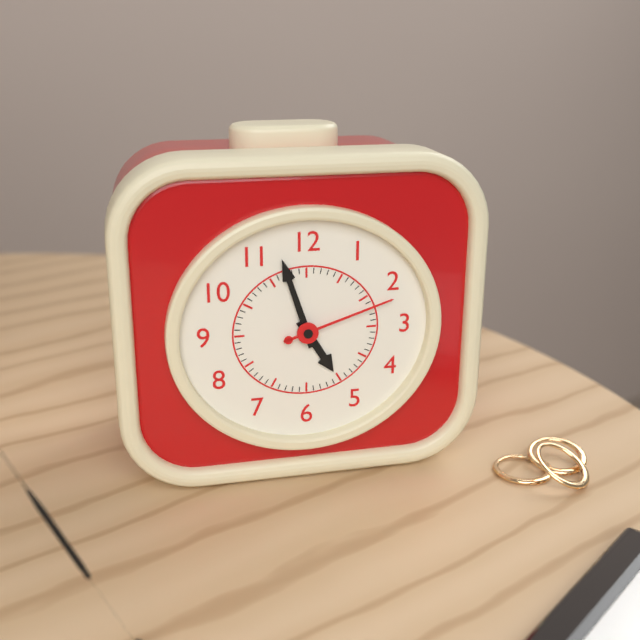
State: 4:57:12
